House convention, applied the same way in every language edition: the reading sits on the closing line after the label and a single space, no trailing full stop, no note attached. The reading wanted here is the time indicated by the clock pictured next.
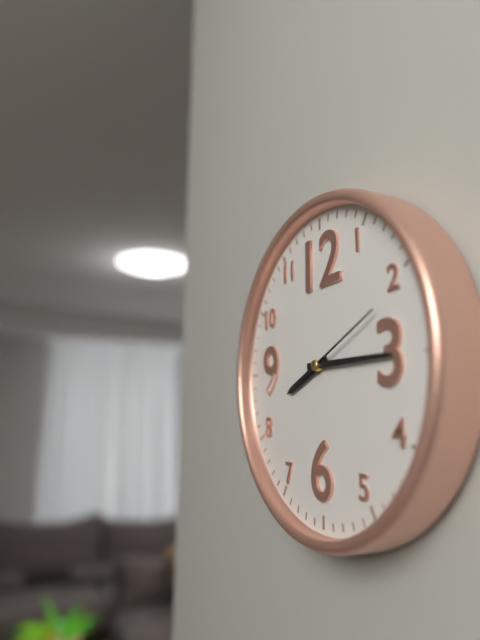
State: 8:15:11
